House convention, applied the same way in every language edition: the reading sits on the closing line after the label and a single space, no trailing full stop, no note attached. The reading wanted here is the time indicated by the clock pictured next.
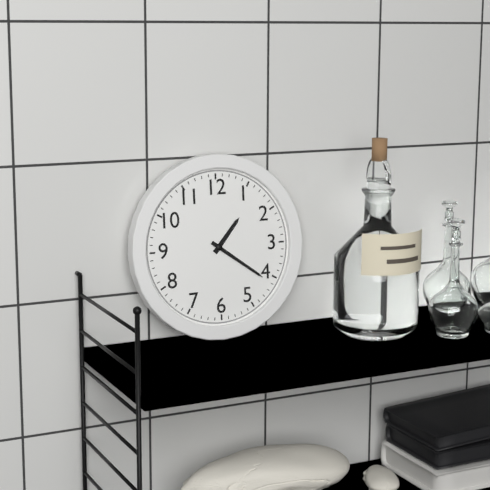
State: 1:21
